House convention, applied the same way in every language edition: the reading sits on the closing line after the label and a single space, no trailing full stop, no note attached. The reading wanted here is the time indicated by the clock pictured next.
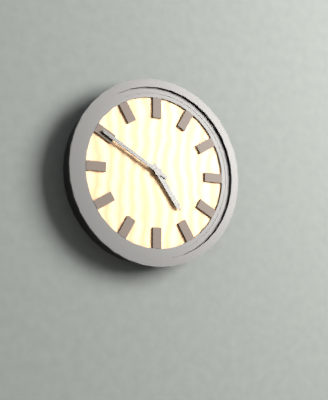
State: 4:50
